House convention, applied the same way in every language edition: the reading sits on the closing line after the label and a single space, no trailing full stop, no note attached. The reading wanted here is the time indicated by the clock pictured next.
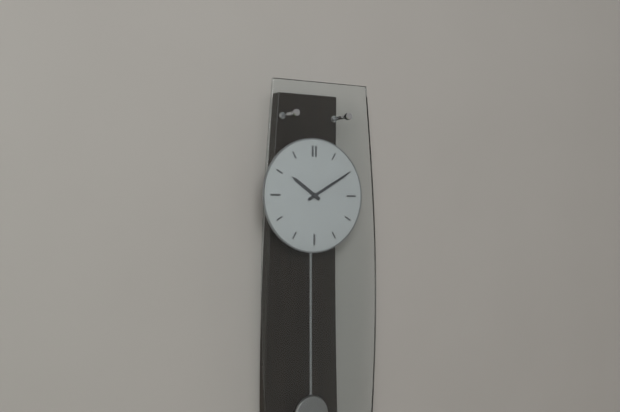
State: 10:10
